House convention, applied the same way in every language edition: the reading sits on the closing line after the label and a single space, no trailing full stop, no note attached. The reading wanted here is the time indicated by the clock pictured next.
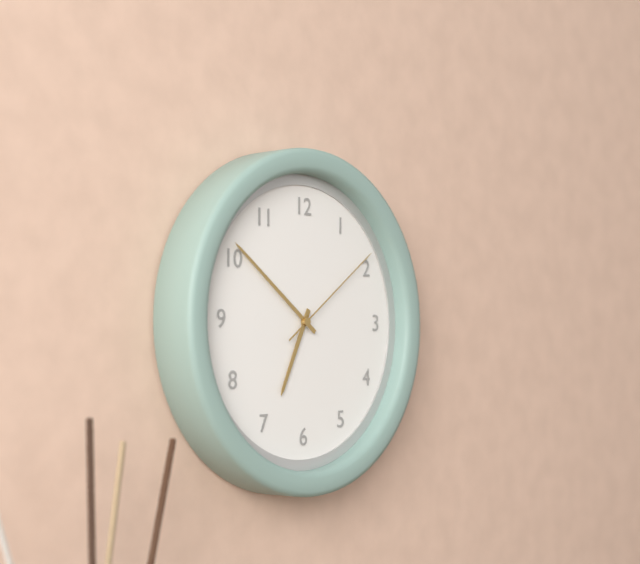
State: 6:51:09
